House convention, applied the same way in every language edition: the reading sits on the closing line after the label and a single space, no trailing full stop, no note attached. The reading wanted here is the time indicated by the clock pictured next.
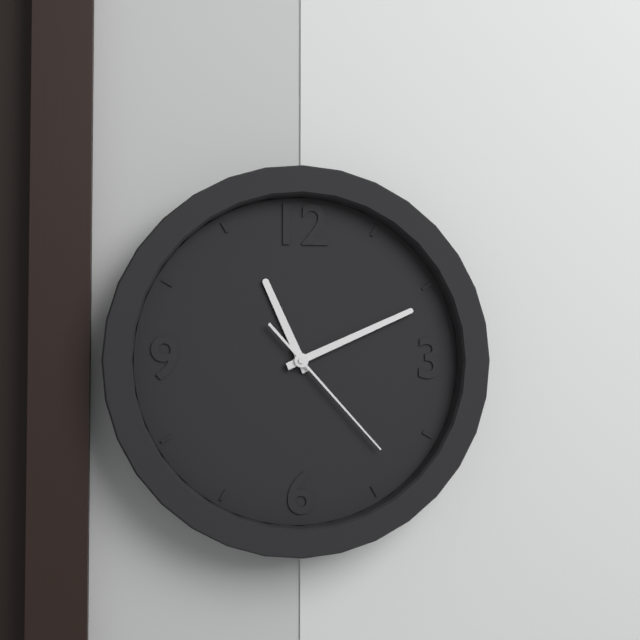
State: 11:11:23
